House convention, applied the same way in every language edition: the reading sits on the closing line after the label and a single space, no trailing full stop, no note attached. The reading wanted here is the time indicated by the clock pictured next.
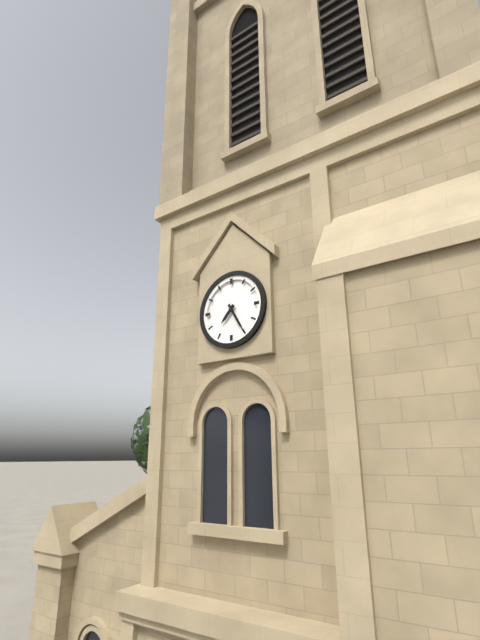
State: 7:25
